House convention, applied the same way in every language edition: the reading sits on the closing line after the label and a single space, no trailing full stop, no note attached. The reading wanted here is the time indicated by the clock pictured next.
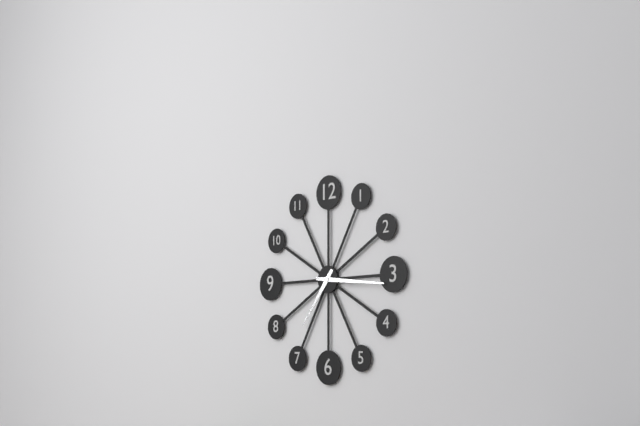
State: 7:16
